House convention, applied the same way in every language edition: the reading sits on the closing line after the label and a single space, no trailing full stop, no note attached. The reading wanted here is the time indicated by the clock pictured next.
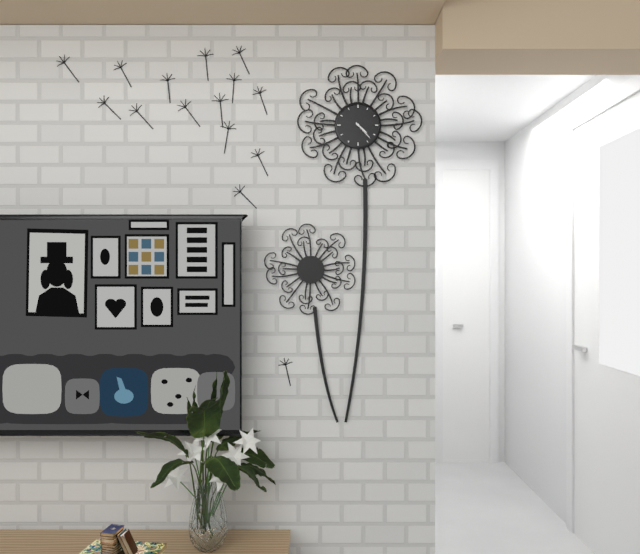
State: 4:23
